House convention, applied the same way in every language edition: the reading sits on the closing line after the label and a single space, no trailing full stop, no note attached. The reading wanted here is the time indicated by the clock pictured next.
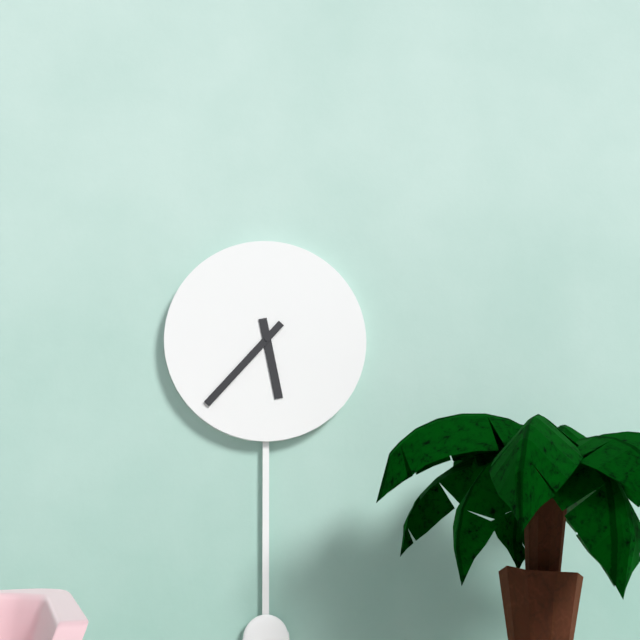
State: 5:37
